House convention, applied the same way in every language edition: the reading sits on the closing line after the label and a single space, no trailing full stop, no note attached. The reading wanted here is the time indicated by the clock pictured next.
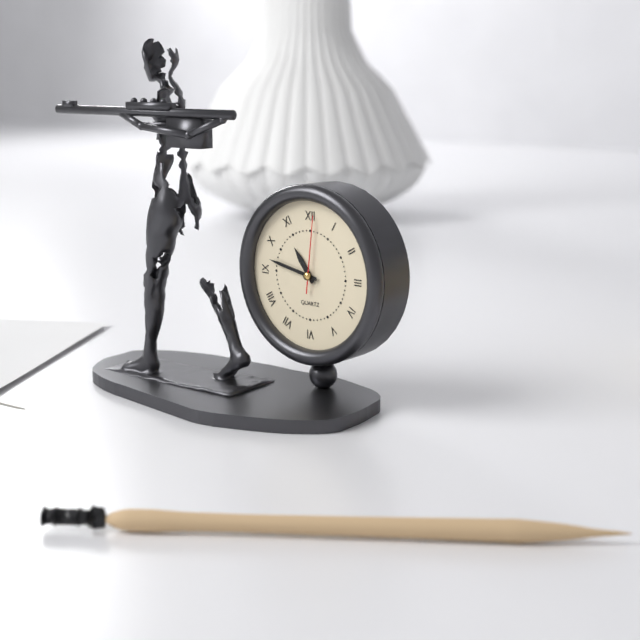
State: 10:47:01
